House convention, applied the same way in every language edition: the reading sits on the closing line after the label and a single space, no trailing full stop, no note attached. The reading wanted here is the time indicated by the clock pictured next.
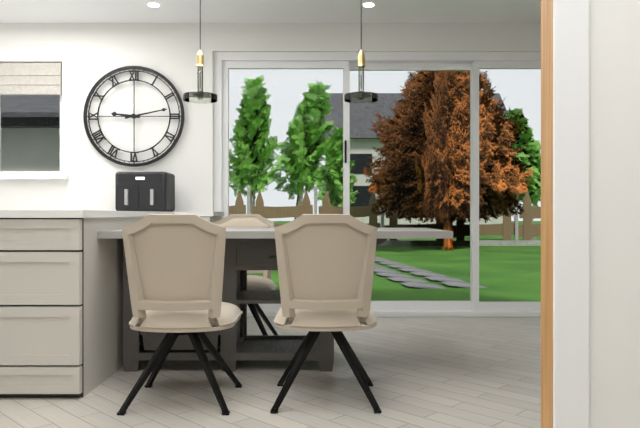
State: 9:13
